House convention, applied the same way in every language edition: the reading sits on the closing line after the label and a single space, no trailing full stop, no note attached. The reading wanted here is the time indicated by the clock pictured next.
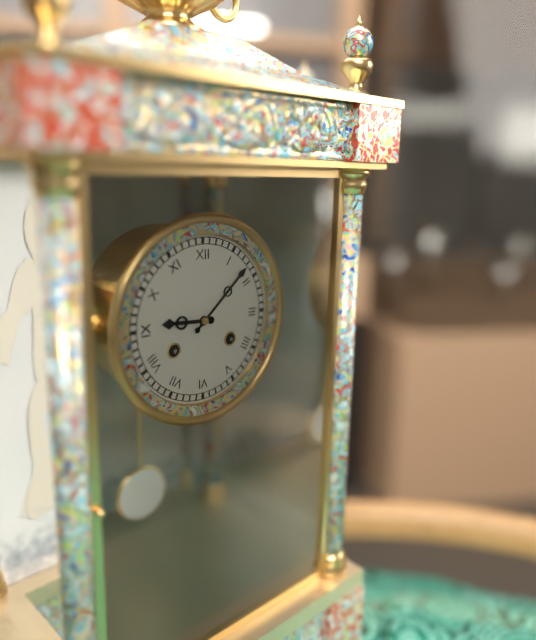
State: 9:08
